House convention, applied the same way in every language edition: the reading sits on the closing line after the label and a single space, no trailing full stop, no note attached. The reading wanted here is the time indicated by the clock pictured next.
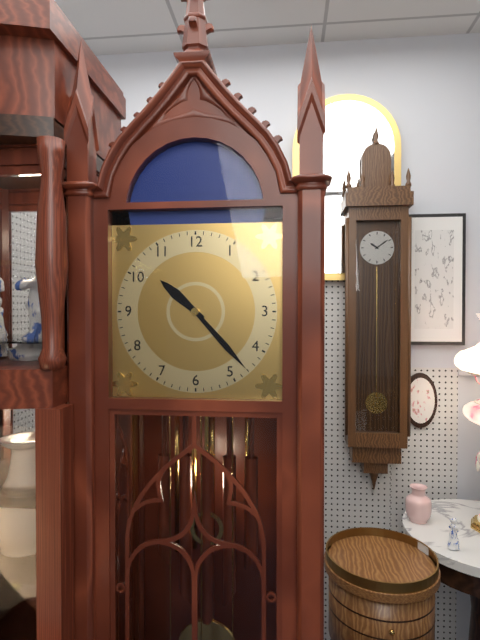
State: 10:23
